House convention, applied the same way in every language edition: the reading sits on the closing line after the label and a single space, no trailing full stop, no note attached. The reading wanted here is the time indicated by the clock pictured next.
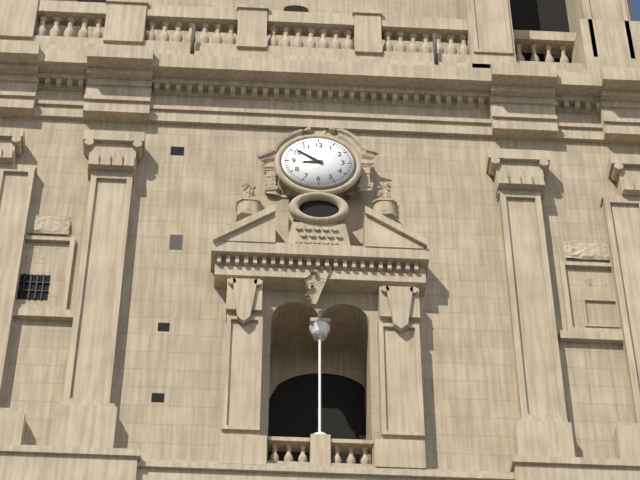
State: 8:51
